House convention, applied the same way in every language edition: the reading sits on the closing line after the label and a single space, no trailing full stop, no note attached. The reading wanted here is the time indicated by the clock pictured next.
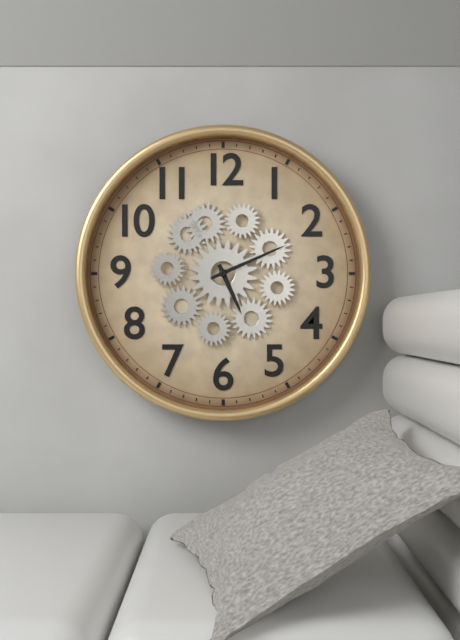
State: 5:11
